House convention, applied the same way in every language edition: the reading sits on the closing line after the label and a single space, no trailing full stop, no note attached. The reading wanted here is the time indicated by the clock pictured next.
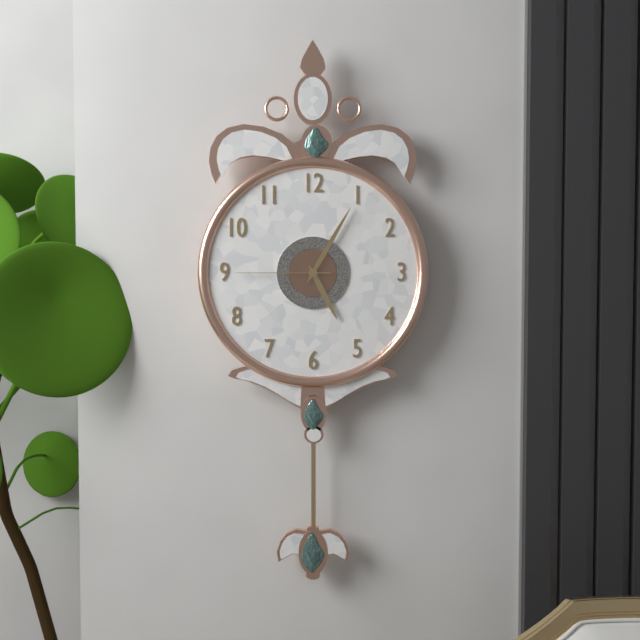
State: 5:05:45
